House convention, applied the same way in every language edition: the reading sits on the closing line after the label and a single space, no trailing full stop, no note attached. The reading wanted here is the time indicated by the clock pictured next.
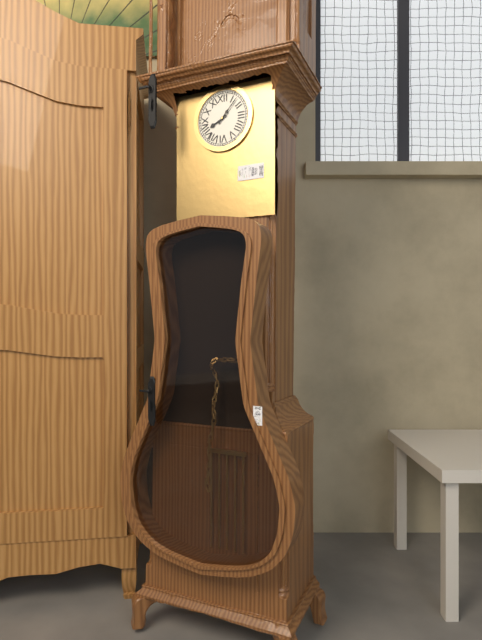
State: 8:07
